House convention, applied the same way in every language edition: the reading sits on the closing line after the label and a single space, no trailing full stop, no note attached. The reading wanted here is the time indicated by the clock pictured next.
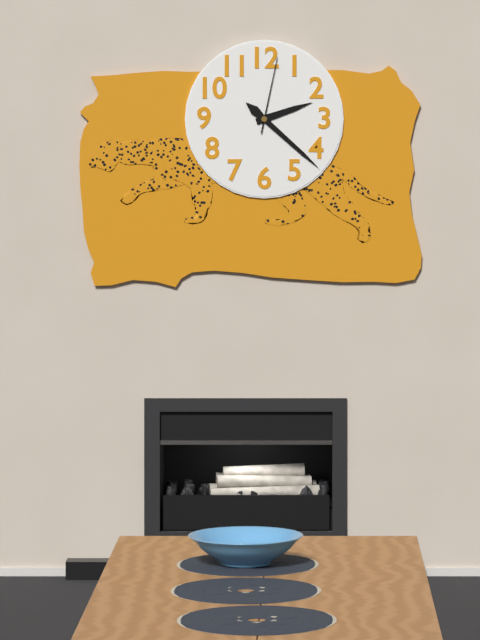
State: 2:22:02
